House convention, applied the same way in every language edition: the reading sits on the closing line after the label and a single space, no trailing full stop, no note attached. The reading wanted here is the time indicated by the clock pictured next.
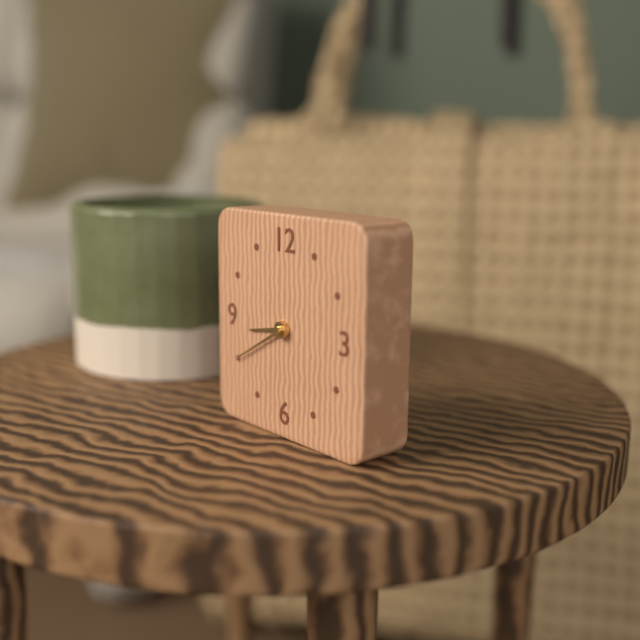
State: 8:40
